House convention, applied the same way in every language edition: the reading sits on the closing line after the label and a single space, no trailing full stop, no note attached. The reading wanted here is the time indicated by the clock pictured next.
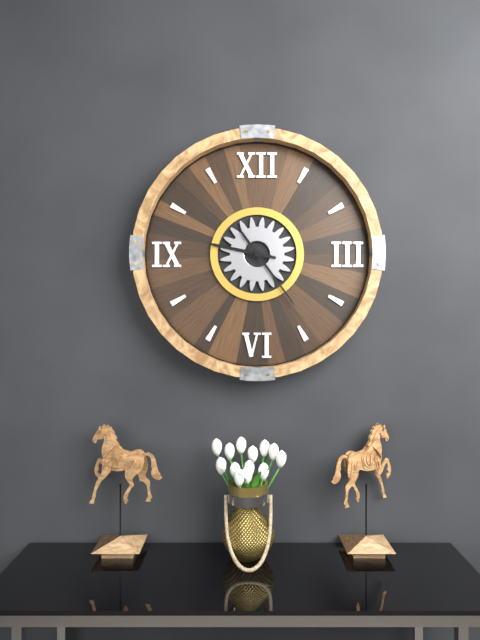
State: 9:24
